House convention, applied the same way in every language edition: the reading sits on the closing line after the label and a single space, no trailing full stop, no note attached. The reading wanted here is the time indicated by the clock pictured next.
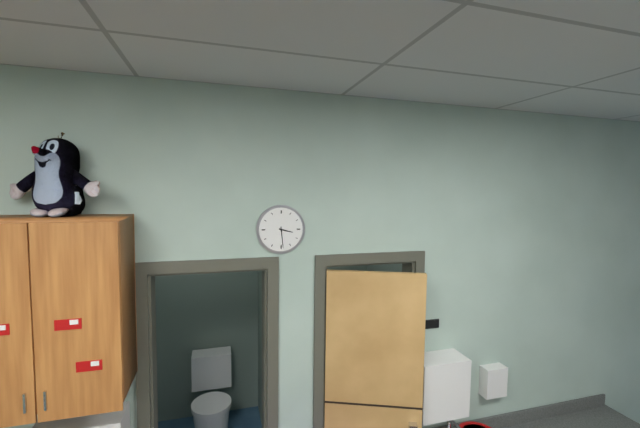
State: 3:29
